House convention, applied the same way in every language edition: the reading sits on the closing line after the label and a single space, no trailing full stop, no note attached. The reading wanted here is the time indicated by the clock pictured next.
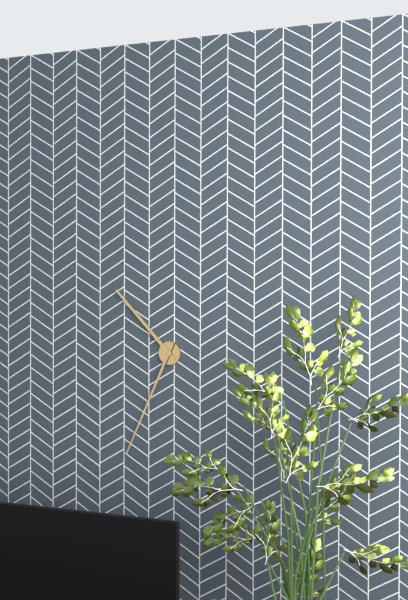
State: 10:34
